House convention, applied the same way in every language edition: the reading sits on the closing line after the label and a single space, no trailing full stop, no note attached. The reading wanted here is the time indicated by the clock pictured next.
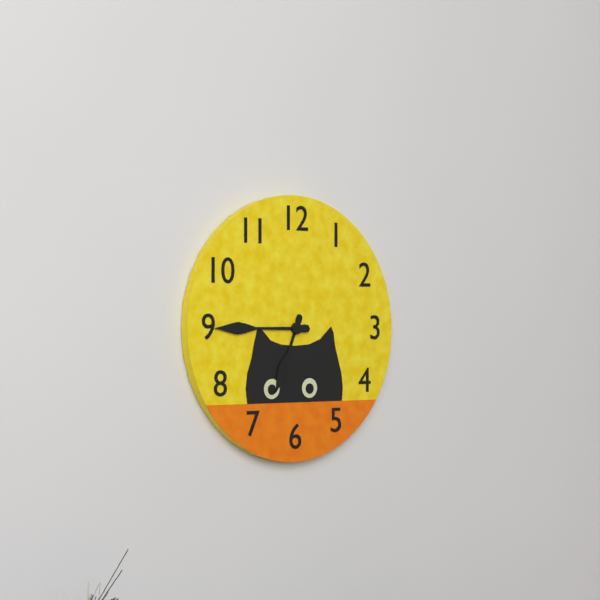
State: 6:45
